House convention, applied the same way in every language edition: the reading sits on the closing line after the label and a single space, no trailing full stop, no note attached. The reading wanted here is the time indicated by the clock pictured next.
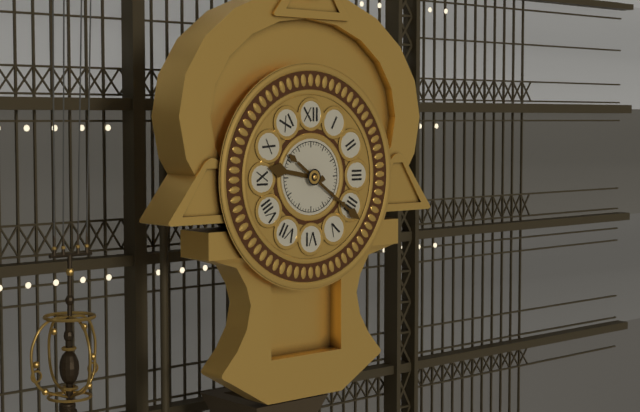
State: 9:21
